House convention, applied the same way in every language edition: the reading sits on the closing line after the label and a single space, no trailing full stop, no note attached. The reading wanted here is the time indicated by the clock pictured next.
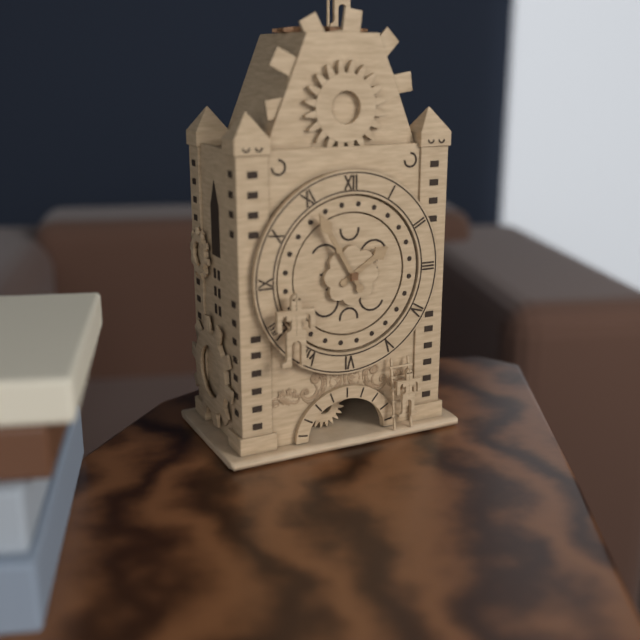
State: 1:55
